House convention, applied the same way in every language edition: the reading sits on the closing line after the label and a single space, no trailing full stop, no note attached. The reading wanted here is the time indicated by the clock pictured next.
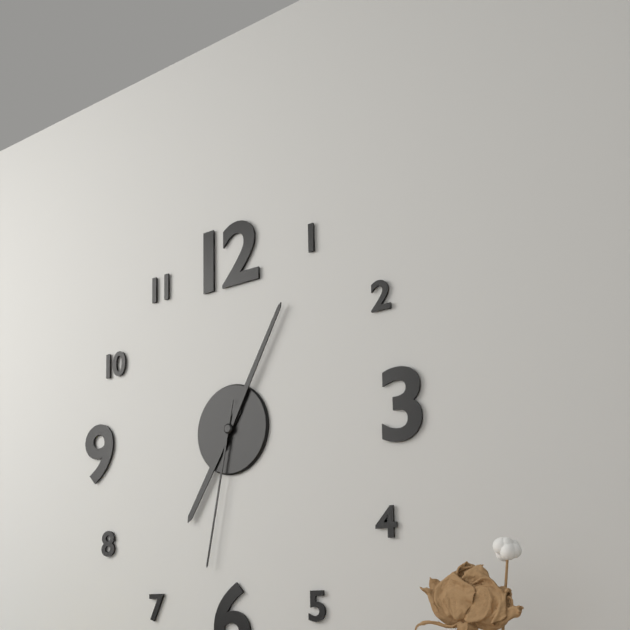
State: 7:05:32
